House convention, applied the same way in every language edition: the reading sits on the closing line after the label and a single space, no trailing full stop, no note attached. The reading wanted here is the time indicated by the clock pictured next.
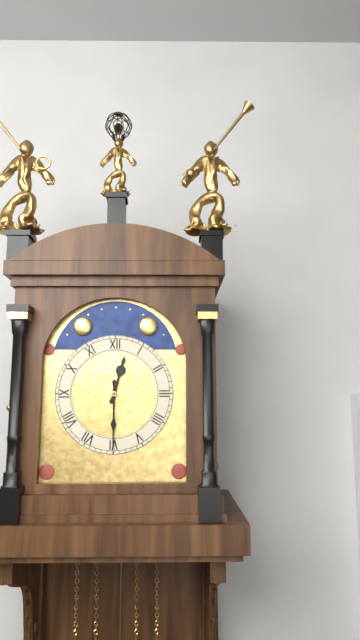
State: 12:30
